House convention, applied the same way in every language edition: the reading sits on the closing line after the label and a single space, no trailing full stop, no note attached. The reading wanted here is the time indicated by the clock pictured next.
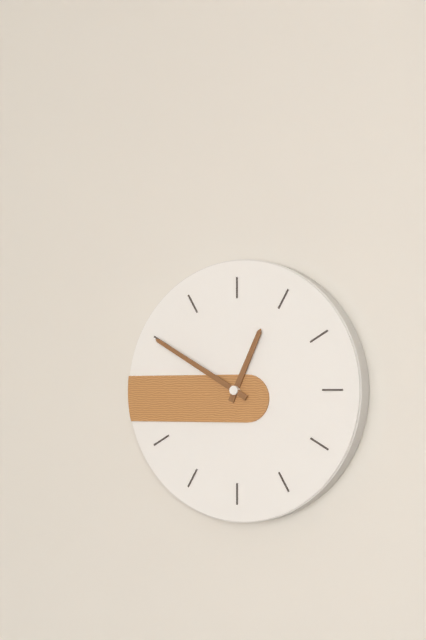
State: 12:50
